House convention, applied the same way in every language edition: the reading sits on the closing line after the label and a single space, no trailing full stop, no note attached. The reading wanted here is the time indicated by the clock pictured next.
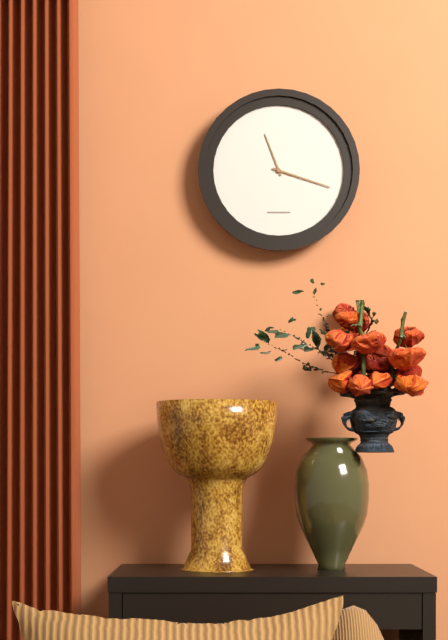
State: 11:18
